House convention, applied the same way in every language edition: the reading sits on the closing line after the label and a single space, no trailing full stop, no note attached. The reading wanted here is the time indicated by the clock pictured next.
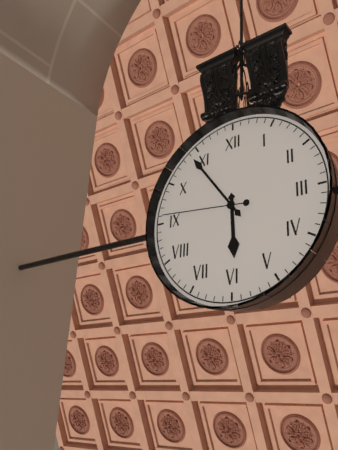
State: 5:54:46
